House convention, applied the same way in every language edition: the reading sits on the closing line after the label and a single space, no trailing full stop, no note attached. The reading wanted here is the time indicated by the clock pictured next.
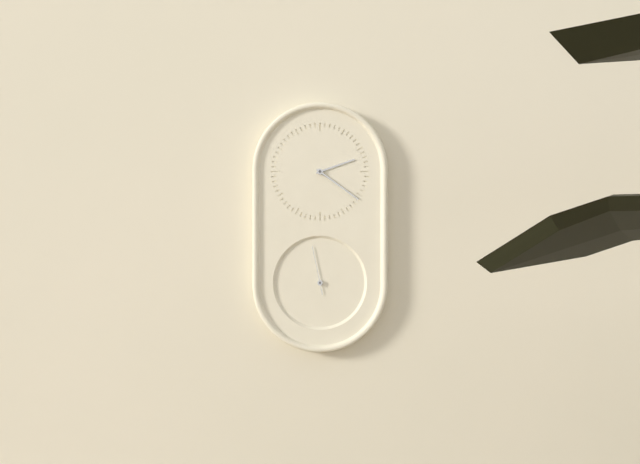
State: 2:21
